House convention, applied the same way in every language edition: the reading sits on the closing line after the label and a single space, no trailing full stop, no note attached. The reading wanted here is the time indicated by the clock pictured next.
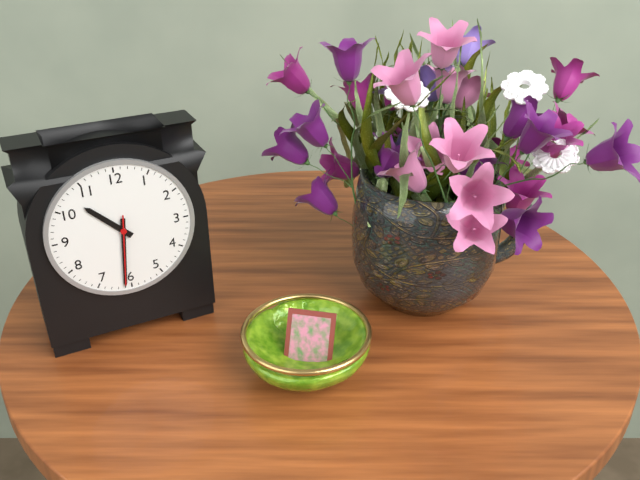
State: 10:31:31
